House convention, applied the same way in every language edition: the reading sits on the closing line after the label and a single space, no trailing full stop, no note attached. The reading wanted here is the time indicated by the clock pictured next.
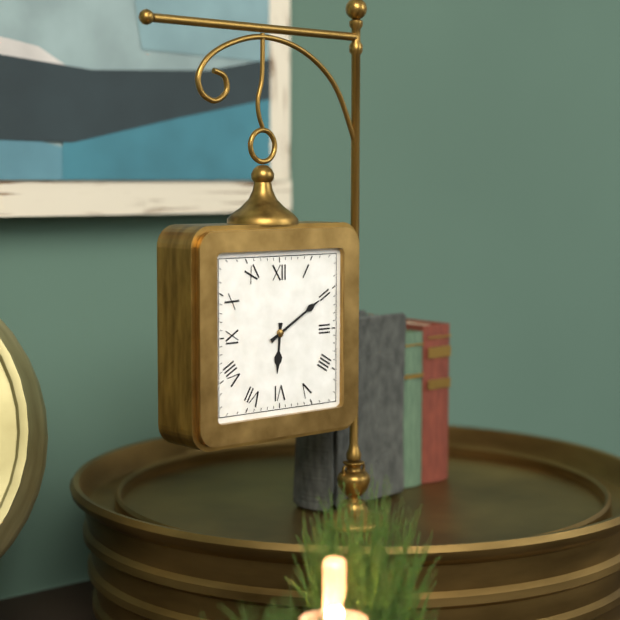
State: 6:10
